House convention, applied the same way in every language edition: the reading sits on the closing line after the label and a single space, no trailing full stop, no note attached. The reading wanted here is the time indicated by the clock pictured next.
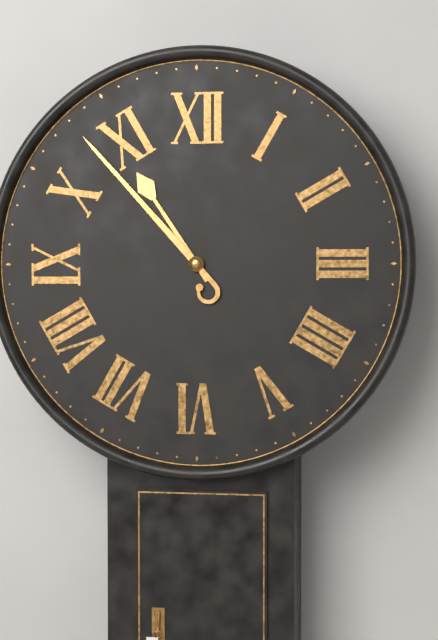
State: 10:53
